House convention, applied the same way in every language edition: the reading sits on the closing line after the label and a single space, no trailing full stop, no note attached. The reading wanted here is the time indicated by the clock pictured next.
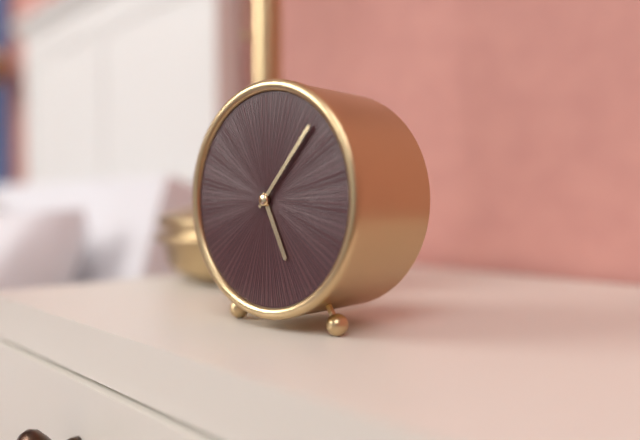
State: 5:07
